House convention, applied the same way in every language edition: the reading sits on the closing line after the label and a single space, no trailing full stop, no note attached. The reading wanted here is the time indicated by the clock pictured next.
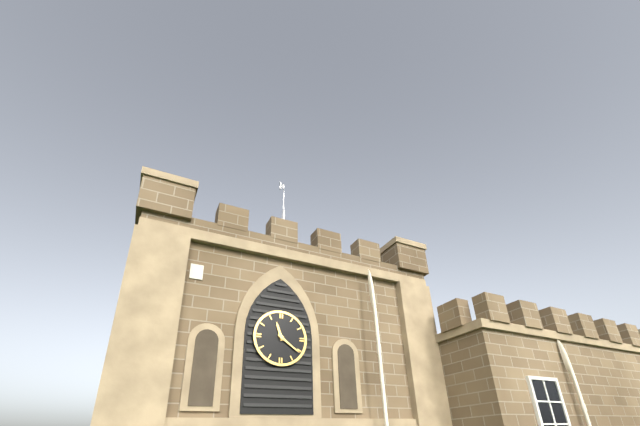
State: 11:21
